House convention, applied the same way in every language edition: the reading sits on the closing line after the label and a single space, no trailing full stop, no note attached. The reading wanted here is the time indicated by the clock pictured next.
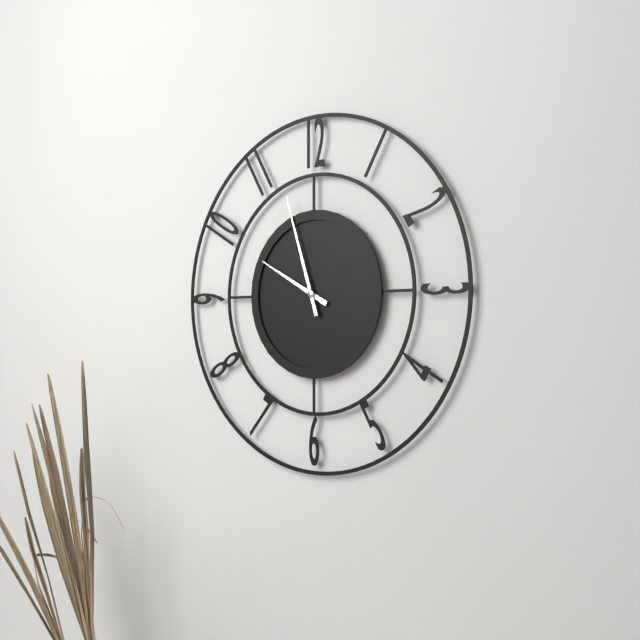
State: 9:57
